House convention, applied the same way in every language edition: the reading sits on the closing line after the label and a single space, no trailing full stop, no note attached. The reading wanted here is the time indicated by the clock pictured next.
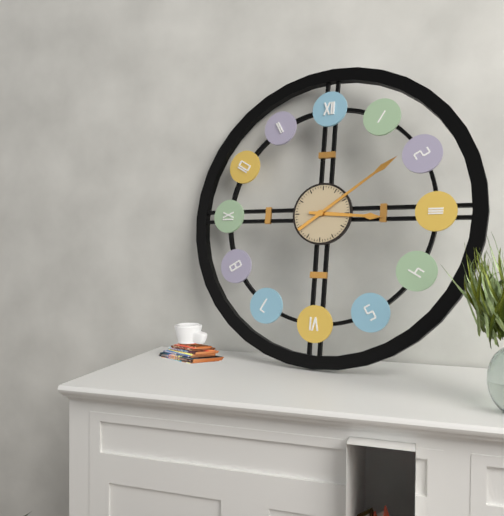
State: 3:09
